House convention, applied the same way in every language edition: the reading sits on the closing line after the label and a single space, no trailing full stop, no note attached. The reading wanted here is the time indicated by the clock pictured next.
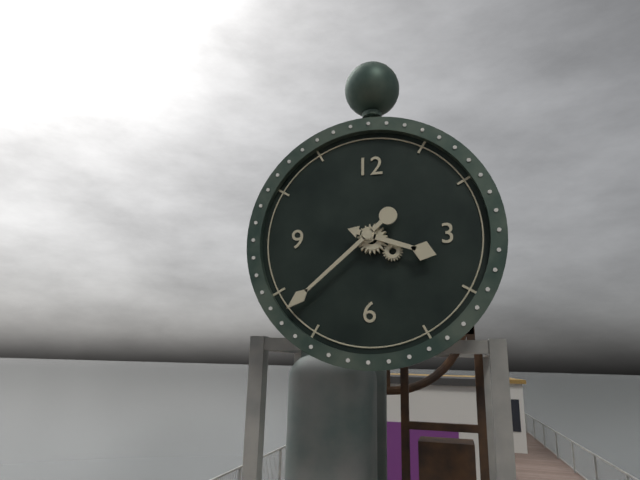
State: 3:38
